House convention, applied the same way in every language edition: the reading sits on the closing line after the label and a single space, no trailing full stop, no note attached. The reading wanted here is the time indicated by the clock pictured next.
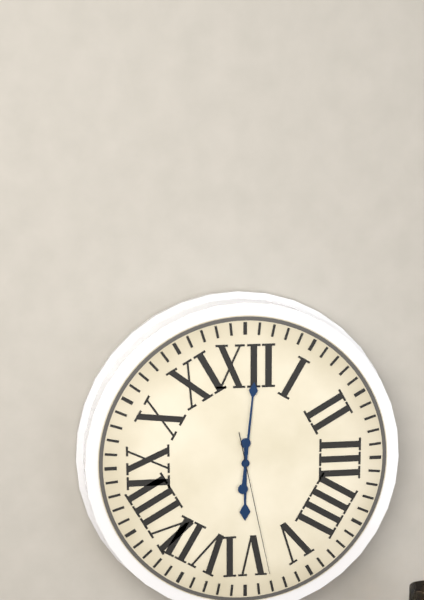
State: 6:01:28
